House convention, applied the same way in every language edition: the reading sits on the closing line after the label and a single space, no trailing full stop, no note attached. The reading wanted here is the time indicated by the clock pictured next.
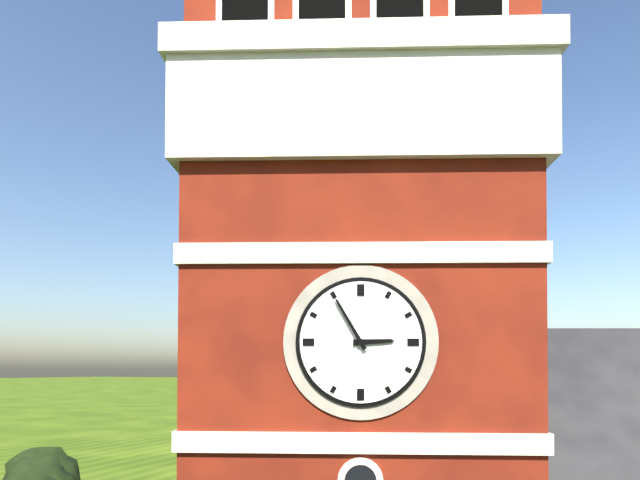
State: 2:55
